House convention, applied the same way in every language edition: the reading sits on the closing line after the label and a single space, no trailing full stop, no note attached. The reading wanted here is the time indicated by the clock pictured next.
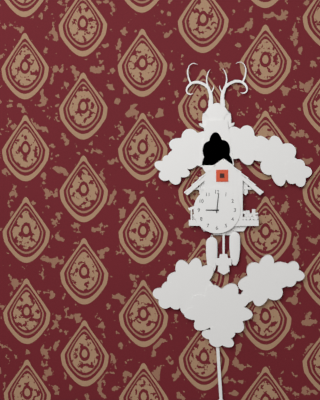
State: 9:01
